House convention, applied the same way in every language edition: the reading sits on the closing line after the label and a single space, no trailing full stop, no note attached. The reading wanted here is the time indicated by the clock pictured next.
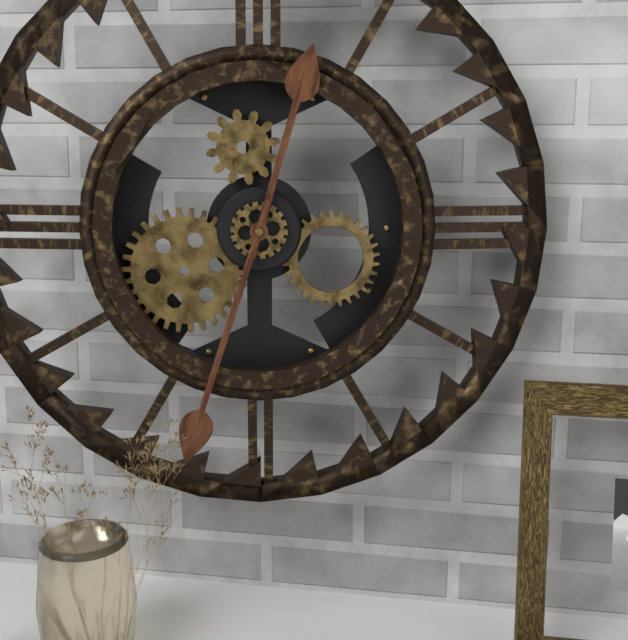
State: 12:33
